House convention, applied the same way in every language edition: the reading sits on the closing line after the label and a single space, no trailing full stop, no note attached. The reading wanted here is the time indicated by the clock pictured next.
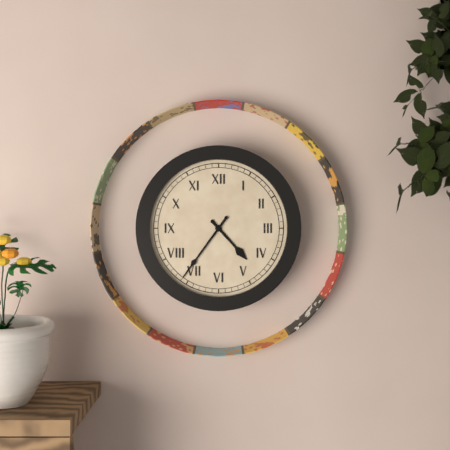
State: 4:36
